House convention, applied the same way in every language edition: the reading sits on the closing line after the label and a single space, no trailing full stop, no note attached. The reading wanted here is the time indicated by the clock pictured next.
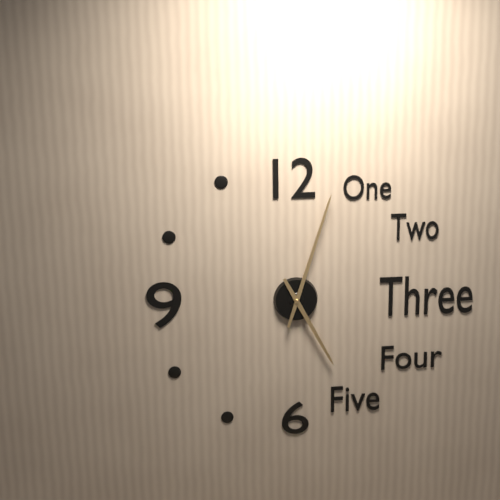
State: 5:03
